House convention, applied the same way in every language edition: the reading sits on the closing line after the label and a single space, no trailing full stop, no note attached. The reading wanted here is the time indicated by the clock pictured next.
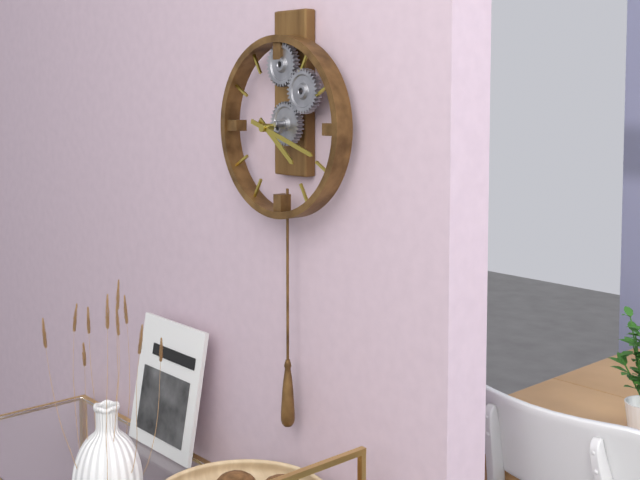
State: 4:18
